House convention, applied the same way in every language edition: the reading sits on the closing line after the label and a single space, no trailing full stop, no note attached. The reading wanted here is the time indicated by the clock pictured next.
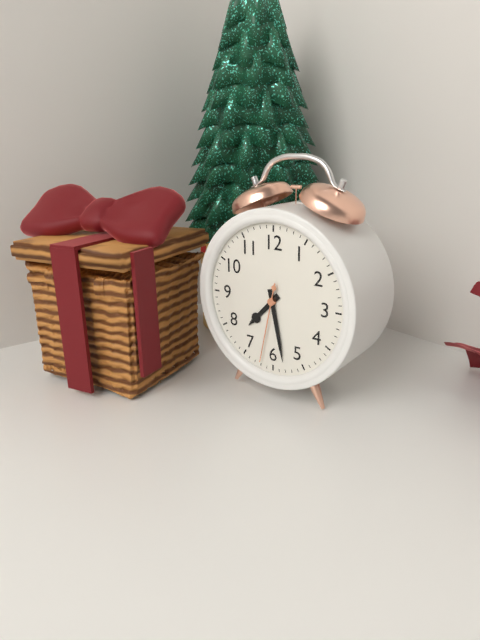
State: 7:28:32
